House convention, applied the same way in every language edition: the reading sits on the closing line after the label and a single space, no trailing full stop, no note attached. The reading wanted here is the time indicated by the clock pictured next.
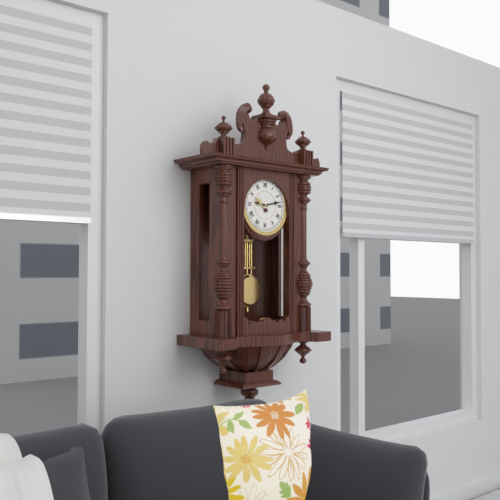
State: 9:13
